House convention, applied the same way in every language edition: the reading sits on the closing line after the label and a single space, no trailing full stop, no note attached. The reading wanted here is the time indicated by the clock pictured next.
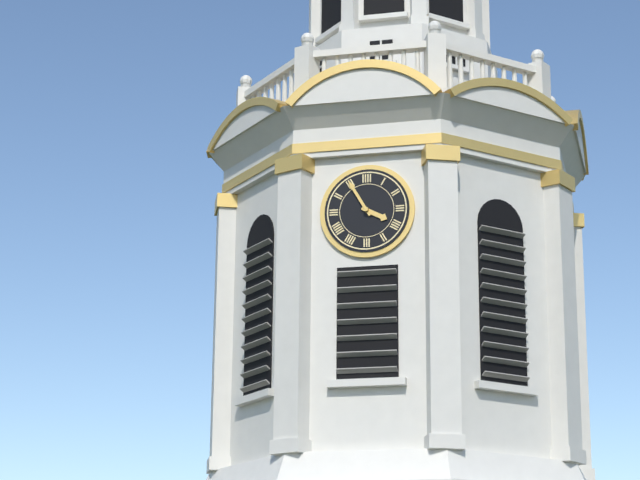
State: 3:55
